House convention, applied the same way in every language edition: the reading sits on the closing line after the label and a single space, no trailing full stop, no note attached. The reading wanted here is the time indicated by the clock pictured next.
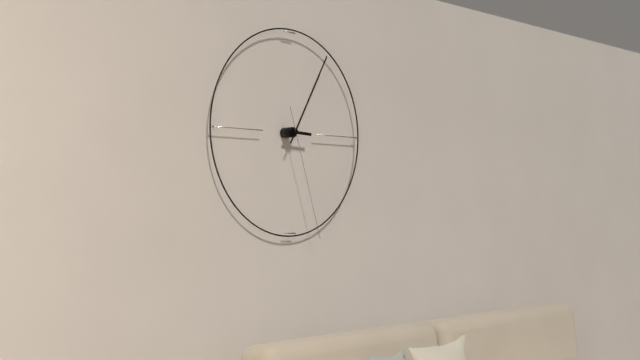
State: 3:05:27
